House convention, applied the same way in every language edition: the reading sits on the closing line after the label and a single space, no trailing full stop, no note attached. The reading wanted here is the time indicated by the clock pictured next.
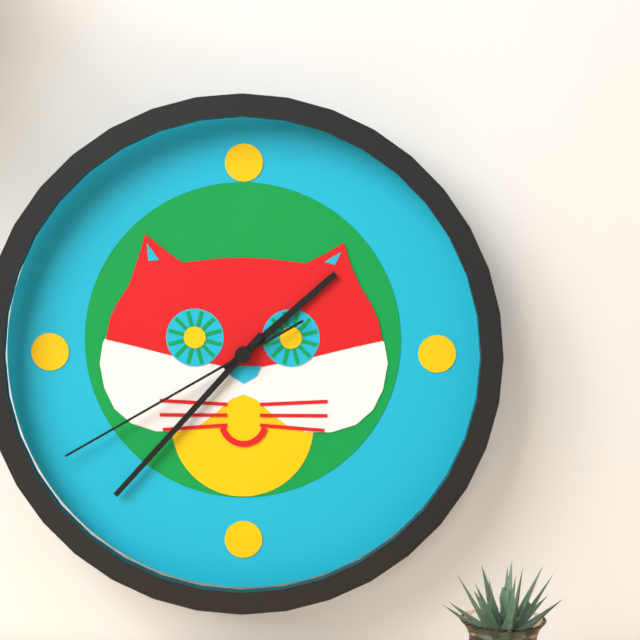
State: 1:37:40
